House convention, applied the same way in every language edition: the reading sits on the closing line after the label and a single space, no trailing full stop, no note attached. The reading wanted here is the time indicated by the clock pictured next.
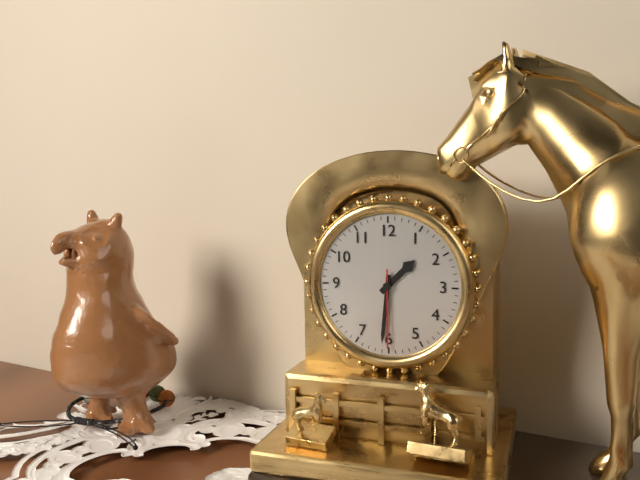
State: 1:31:30
